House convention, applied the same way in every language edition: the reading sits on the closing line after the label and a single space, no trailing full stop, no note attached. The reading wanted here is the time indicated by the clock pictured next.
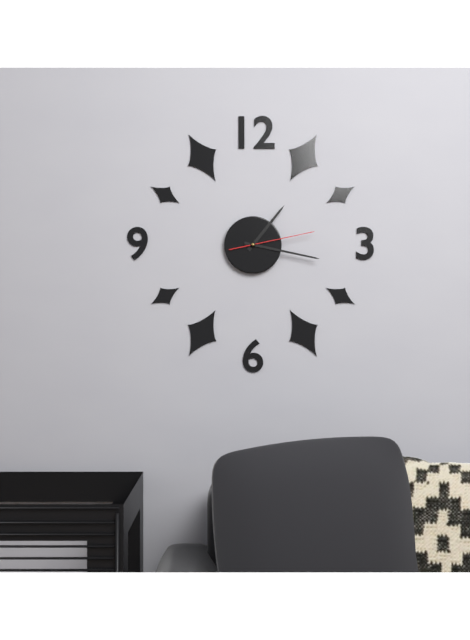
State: 1:17:13
